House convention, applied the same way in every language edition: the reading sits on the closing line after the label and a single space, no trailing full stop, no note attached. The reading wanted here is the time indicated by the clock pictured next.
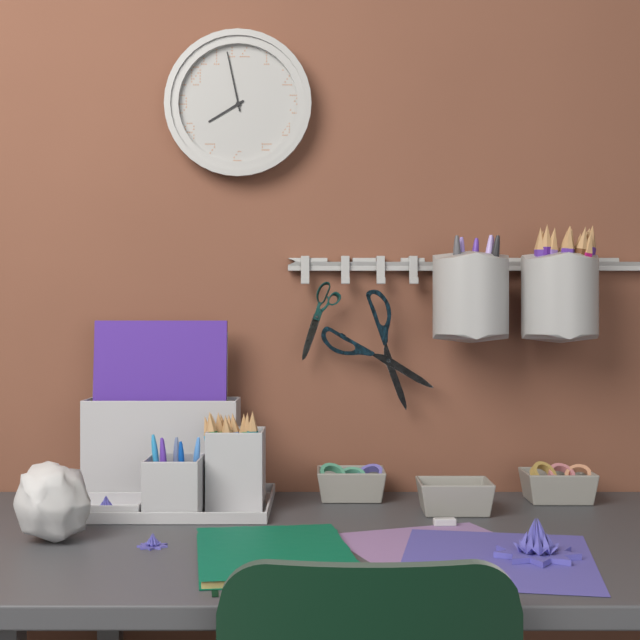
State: 7:58
